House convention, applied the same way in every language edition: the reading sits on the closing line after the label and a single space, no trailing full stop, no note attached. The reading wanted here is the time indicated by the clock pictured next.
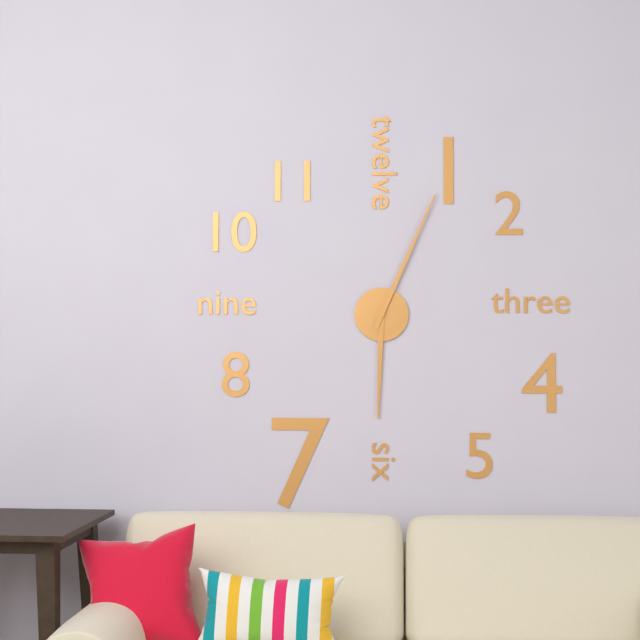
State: 6:04
